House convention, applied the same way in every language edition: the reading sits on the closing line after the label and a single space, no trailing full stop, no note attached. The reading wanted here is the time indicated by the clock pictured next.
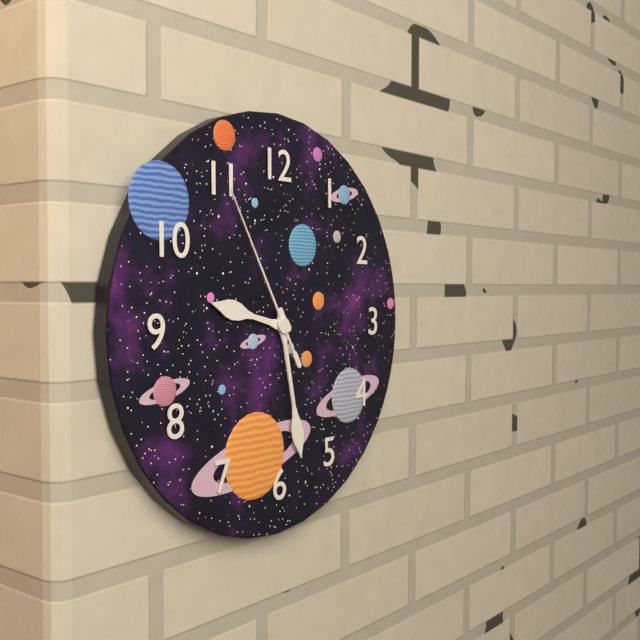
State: 9:28:55
